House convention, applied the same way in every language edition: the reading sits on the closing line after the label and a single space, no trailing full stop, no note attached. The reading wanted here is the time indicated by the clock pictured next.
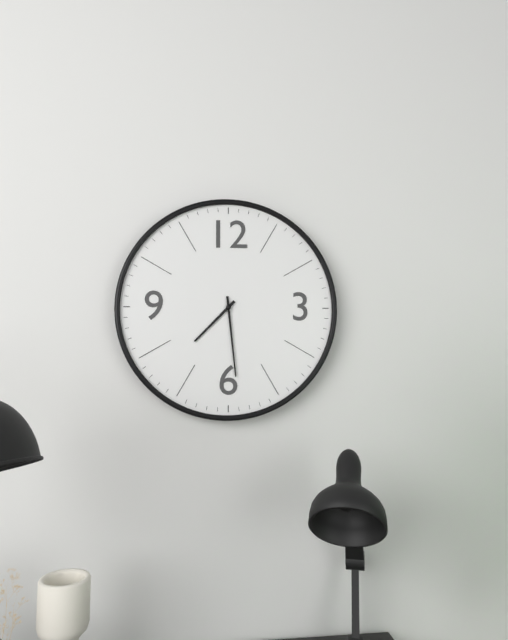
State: 7:29
